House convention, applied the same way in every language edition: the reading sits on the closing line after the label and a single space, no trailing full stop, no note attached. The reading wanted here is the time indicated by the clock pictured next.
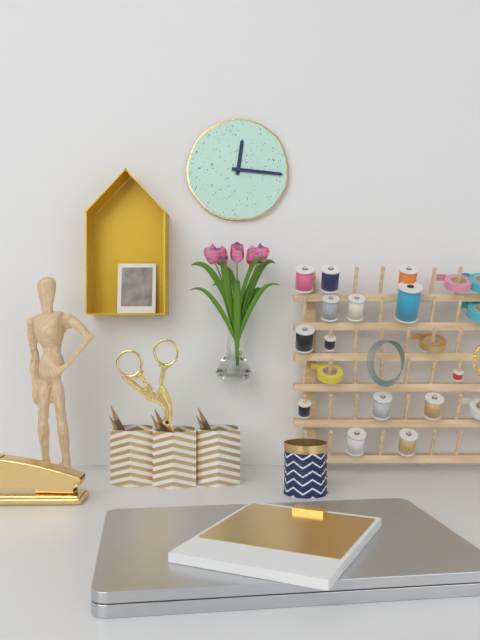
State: 12:16
